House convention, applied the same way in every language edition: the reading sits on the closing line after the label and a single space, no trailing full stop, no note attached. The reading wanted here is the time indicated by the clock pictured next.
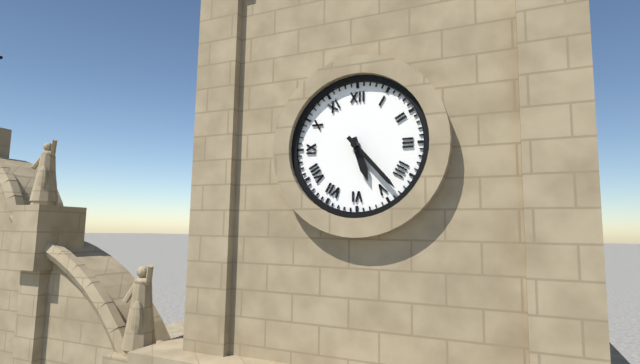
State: 5:23
